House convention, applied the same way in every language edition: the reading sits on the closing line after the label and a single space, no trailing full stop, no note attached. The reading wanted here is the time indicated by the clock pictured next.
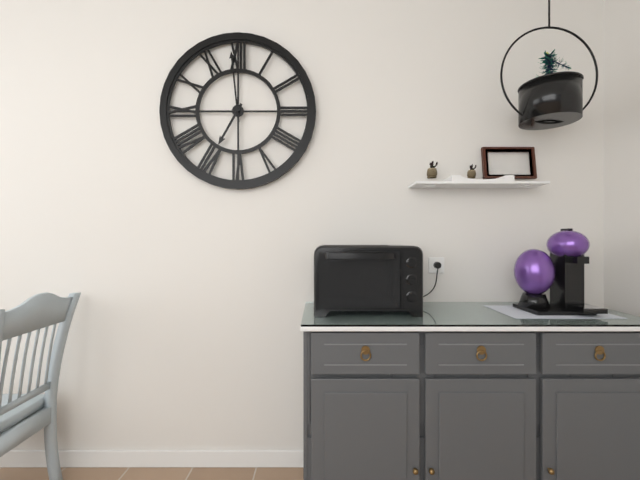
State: 6:59
